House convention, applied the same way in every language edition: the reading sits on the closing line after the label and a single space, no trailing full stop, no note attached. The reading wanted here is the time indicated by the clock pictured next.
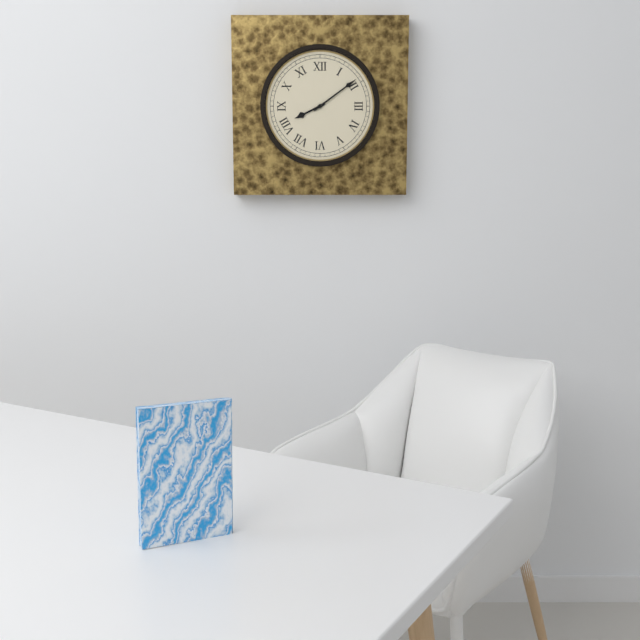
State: 8:09
